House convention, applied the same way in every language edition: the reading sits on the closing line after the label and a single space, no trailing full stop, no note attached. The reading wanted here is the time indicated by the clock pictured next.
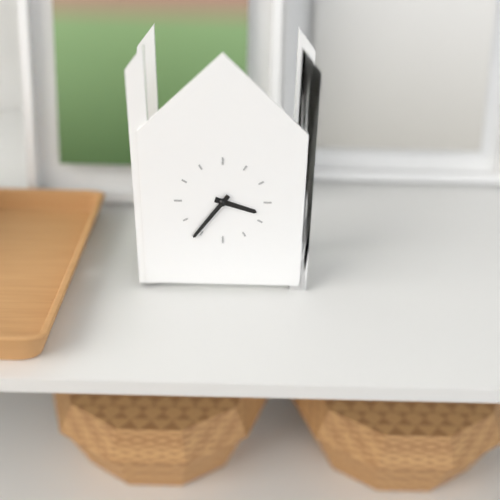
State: 3:36
